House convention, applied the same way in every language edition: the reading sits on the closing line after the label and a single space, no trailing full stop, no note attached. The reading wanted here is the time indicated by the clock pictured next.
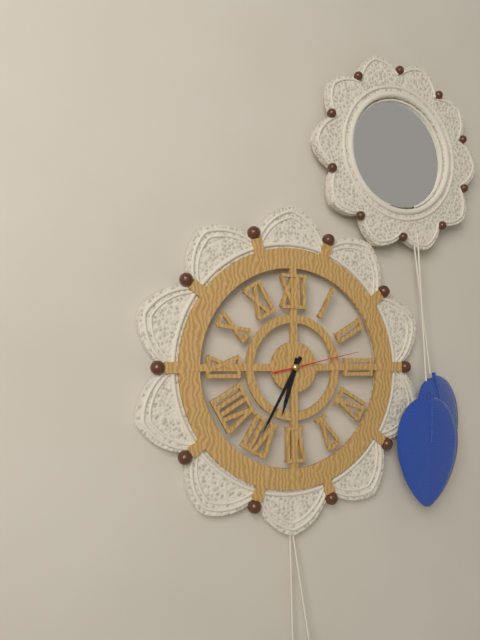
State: 6:35:13
